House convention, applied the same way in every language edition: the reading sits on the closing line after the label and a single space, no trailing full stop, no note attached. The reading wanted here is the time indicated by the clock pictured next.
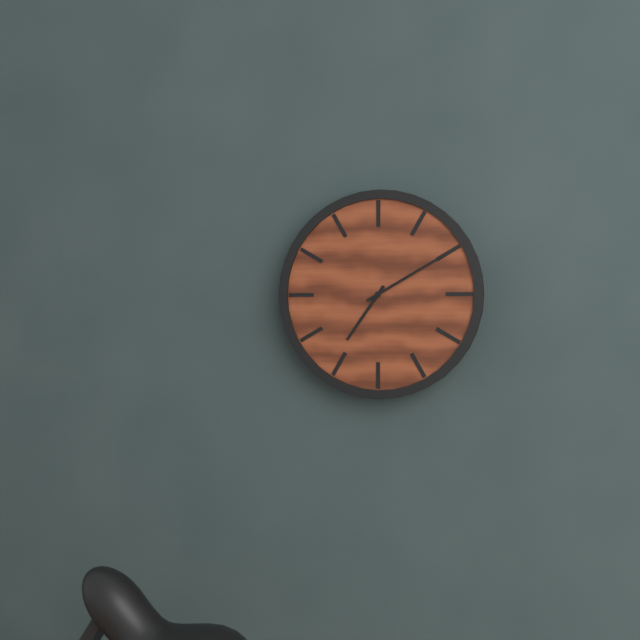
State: 7:10
